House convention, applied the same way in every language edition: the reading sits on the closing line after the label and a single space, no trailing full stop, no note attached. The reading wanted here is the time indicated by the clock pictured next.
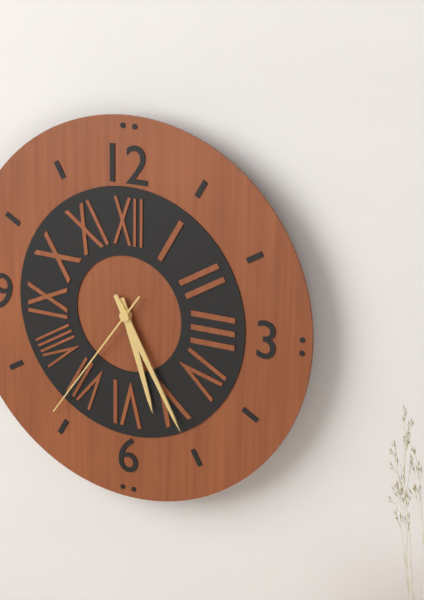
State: 5:25:36
